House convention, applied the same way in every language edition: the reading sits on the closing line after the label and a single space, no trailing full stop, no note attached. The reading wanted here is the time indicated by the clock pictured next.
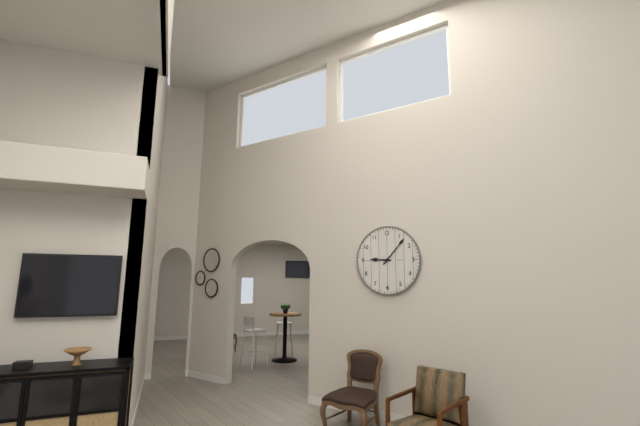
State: 9:07
